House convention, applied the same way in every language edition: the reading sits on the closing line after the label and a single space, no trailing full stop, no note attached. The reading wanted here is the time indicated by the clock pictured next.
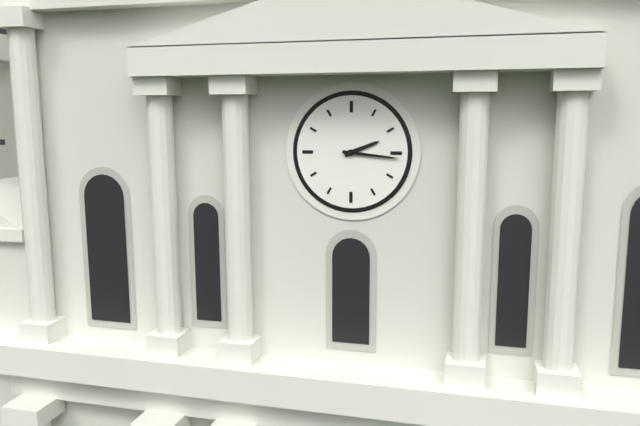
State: 2:16
